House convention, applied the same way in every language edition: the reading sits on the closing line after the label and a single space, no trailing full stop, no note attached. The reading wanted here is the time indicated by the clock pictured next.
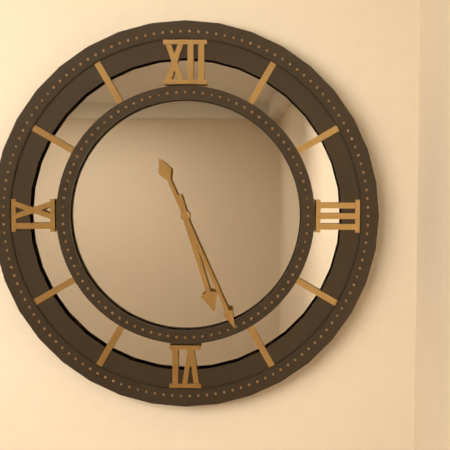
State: 5:26
